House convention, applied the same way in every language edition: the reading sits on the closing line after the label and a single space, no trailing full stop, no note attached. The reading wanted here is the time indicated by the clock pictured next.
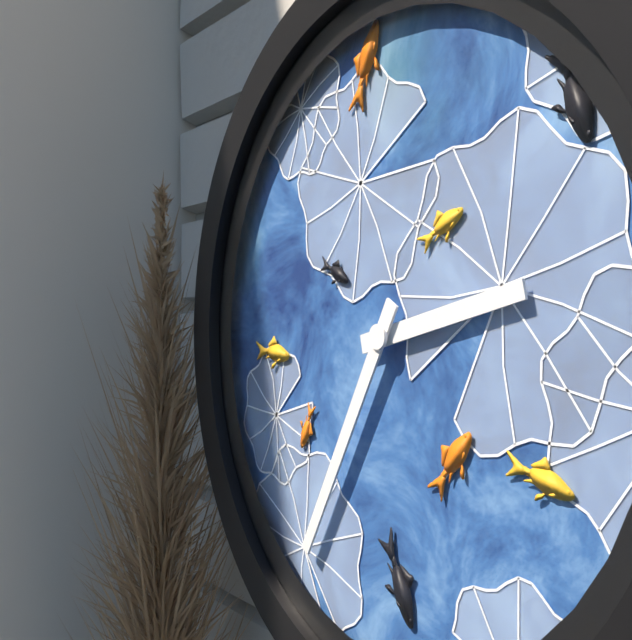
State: 2:35
